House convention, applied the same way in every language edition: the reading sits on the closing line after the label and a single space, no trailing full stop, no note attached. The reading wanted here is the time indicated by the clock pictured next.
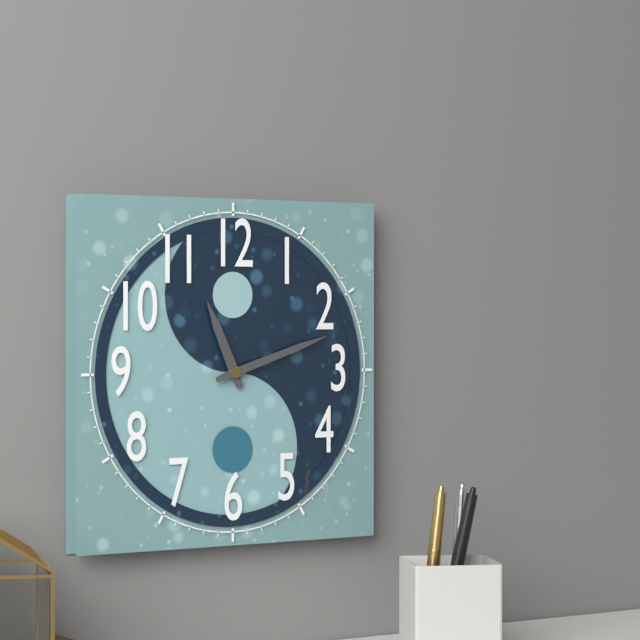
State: 11:12
